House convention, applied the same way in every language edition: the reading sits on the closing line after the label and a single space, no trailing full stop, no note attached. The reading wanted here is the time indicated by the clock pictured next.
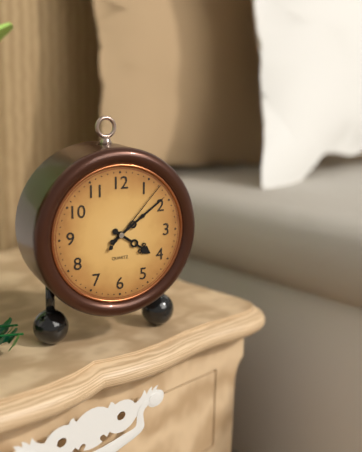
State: 4:09:07
